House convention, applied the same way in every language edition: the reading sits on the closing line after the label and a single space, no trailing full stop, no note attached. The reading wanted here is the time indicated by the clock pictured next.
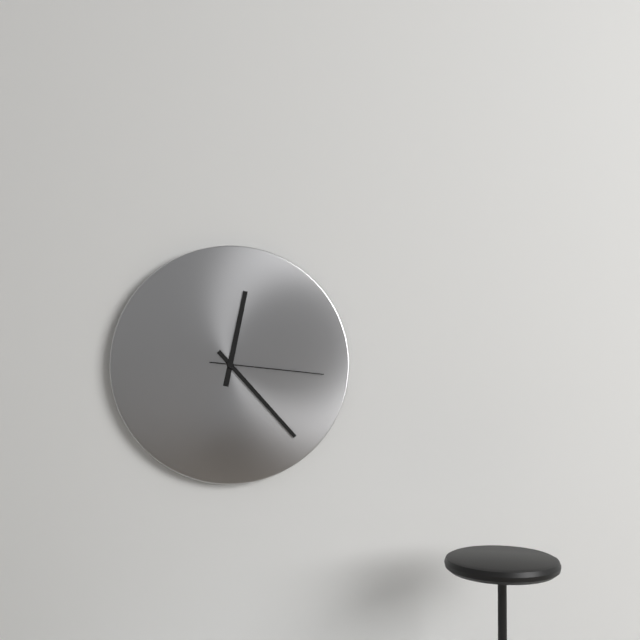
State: 12:23:16
